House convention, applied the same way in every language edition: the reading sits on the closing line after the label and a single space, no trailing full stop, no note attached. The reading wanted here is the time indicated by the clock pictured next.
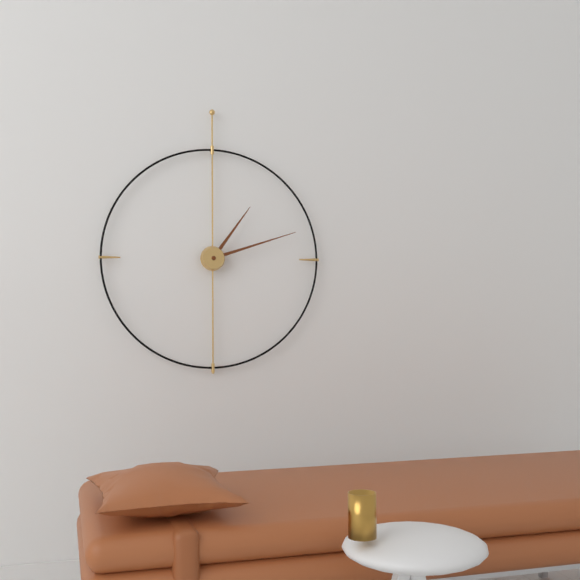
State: 1:12
